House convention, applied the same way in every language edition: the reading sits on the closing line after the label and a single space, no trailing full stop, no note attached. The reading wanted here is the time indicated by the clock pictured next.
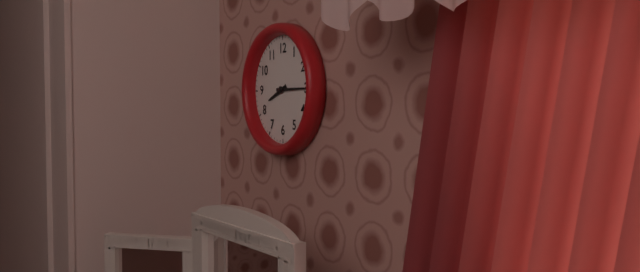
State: 8:15
